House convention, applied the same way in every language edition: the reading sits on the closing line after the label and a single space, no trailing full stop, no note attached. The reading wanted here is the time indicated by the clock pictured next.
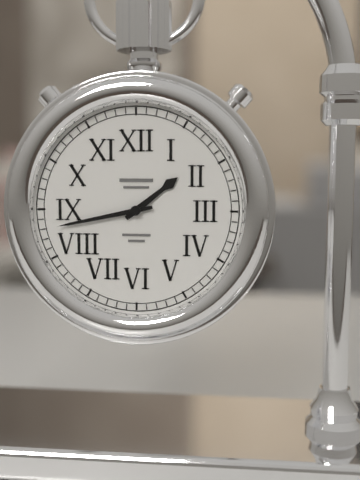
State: 1:43
